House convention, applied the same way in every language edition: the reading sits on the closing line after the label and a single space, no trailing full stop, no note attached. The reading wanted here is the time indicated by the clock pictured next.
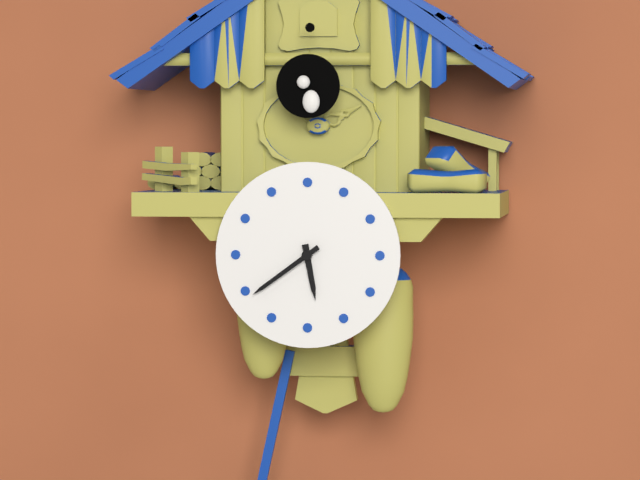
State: 5:39
